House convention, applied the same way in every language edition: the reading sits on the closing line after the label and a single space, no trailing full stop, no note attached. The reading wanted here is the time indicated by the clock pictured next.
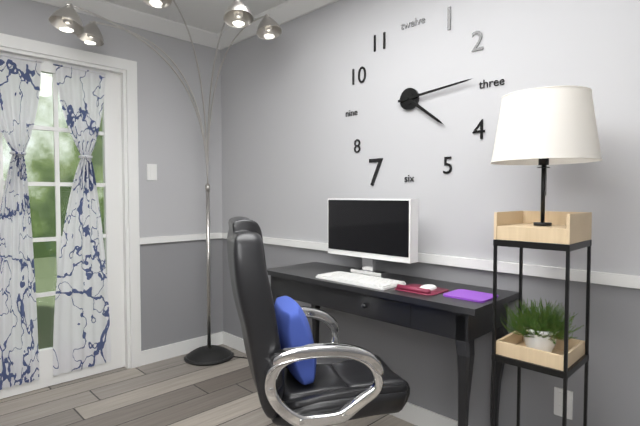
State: 4:14
